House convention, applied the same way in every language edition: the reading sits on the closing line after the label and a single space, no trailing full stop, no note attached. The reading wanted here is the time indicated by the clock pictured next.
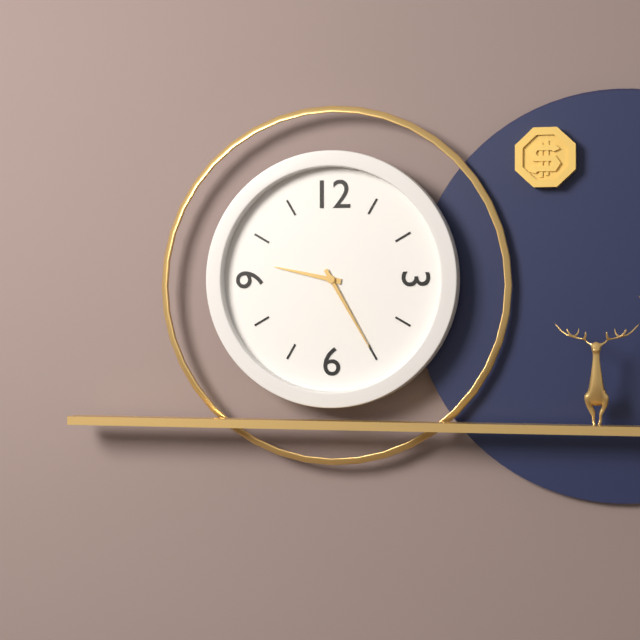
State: 9:25
